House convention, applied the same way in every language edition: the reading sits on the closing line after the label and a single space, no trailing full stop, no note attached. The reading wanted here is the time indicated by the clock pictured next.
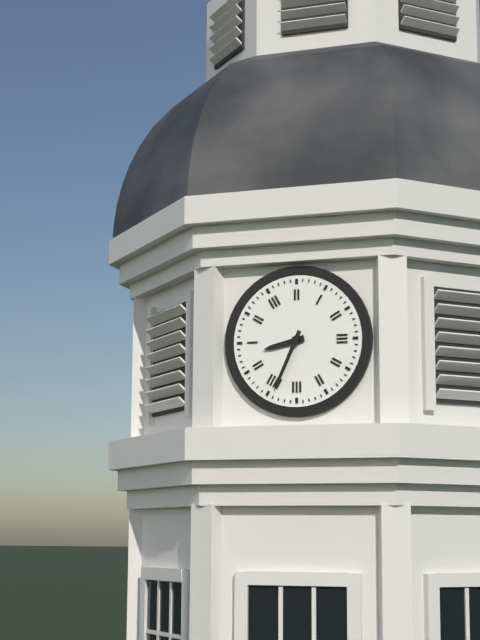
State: 8:34
